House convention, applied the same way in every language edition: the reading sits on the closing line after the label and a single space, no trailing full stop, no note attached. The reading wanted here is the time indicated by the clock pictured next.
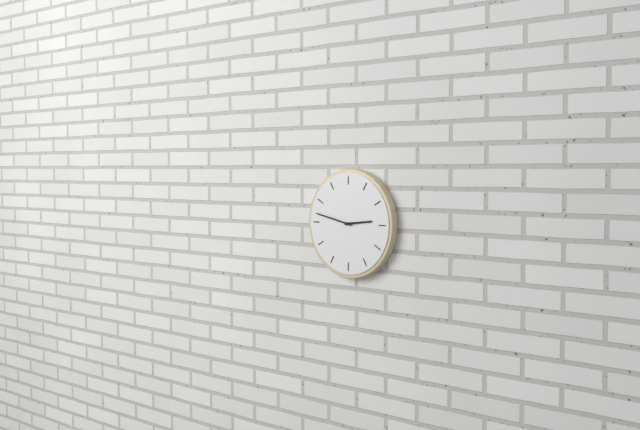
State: 2:47
